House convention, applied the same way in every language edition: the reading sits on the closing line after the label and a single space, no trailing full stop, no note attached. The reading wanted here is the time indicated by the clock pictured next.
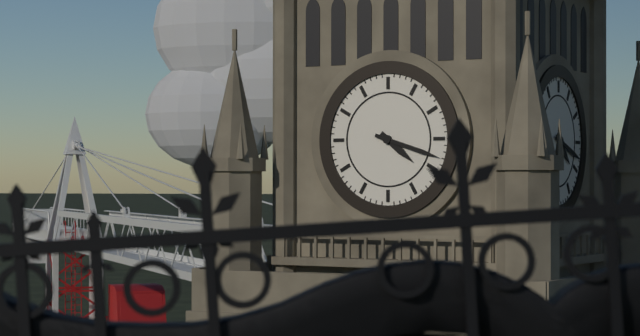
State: 4:18
